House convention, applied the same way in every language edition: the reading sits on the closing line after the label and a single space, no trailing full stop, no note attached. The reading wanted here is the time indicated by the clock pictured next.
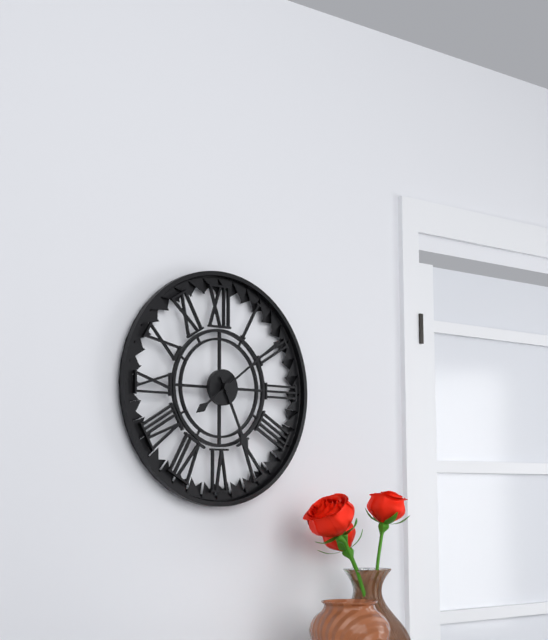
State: 5:09
